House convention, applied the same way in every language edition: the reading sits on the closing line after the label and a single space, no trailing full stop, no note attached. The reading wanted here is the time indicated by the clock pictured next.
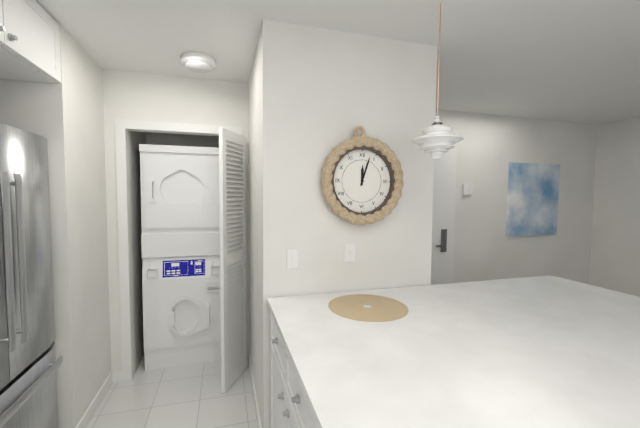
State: 12:03
